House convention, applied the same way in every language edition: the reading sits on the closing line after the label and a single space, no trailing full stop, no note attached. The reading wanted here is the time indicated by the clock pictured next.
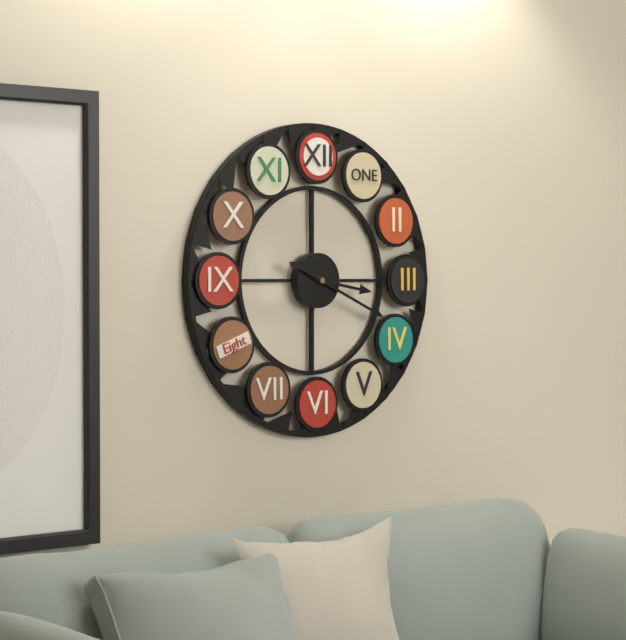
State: 3:19
